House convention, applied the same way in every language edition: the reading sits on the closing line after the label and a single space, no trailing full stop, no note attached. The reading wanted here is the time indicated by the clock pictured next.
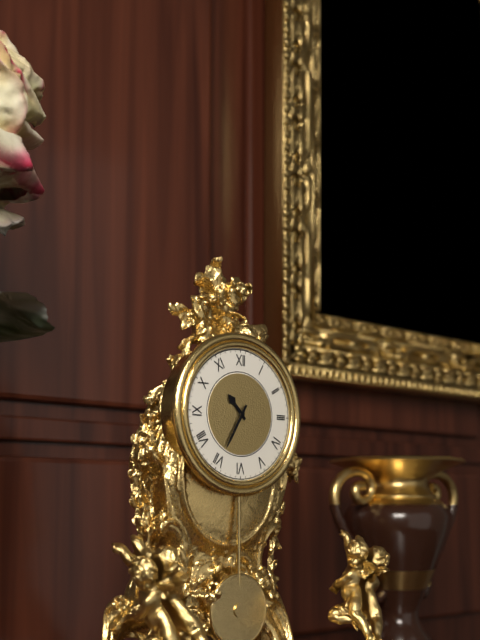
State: 10:35
